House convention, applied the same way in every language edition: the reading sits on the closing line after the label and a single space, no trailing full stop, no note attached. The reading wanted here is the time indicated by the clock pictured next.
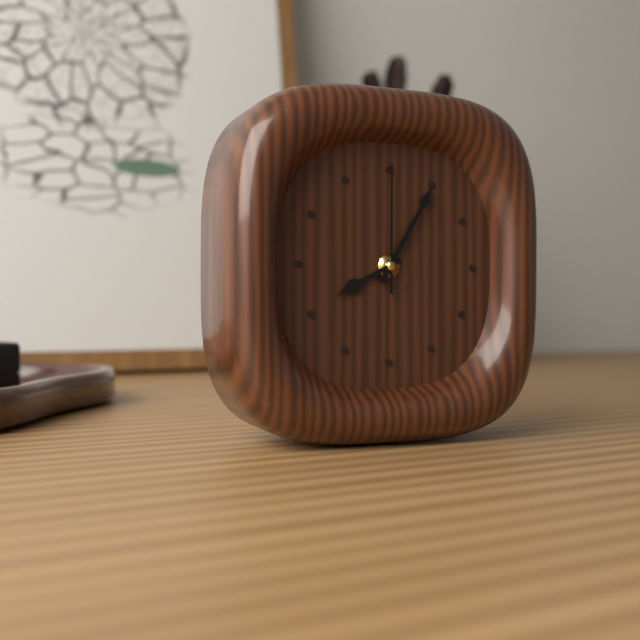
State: 8:05:00
